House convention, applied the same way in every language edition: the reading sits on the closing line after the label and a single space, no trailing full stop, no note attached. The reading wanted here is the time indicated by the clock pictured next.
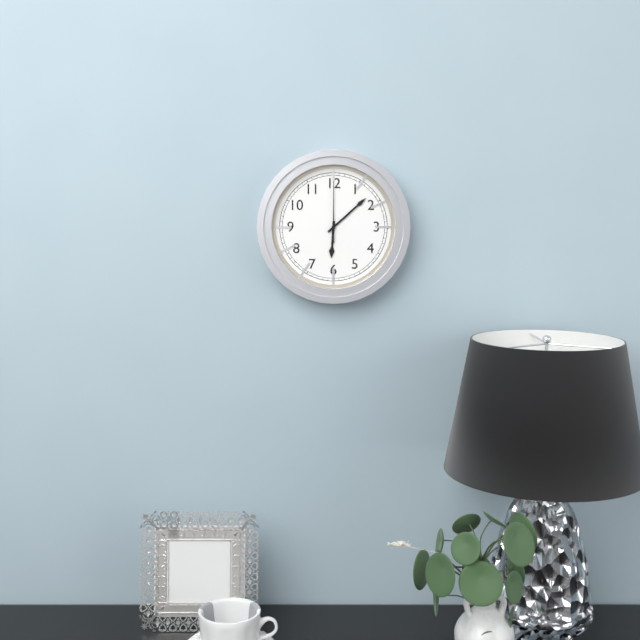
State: 6:08:00
